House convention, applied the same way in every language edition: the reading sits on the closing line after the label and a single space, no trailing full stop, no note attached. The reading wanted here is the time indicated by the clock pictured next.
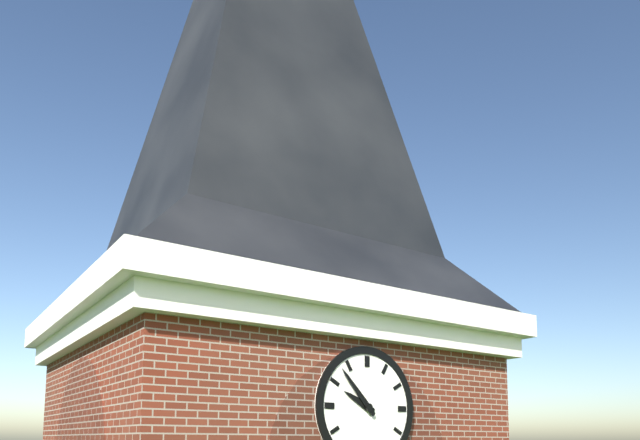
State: 9:53
